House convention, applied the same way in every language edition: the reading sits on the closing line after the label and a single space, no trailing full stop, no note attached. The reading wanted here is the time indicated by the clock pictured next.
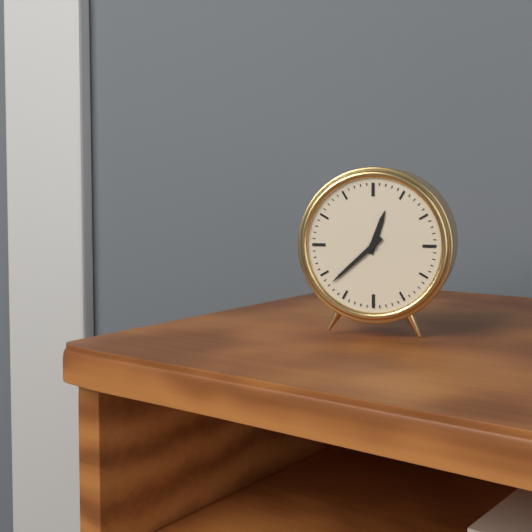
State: 12:38
